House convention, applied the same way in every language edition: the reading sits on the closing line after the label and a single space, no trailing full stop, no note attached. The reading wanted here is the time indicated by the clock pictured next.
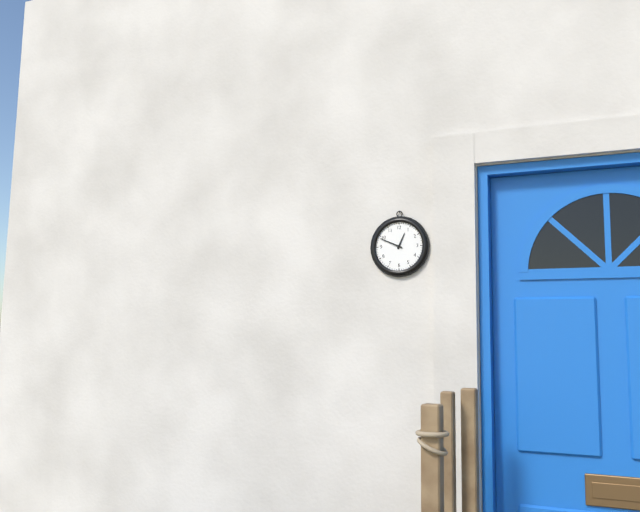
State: 12:49
